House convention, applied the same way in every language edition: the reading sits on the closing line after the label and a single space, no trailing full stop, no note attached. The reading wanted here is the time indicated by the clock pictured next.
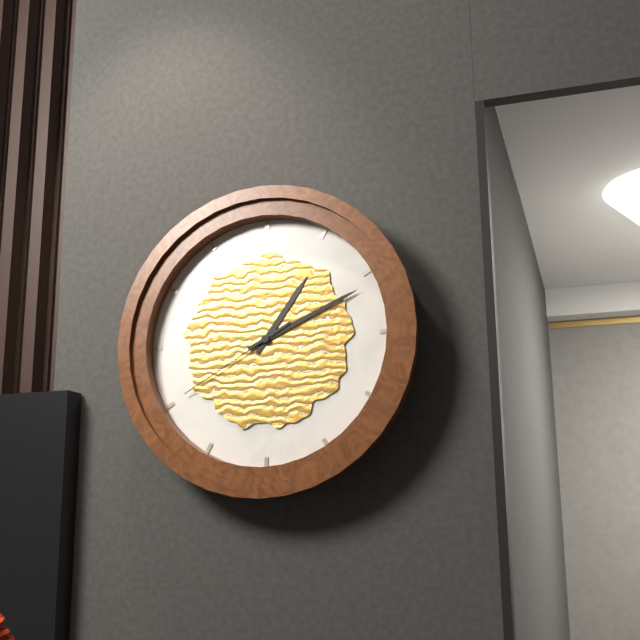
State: 1:11:40
